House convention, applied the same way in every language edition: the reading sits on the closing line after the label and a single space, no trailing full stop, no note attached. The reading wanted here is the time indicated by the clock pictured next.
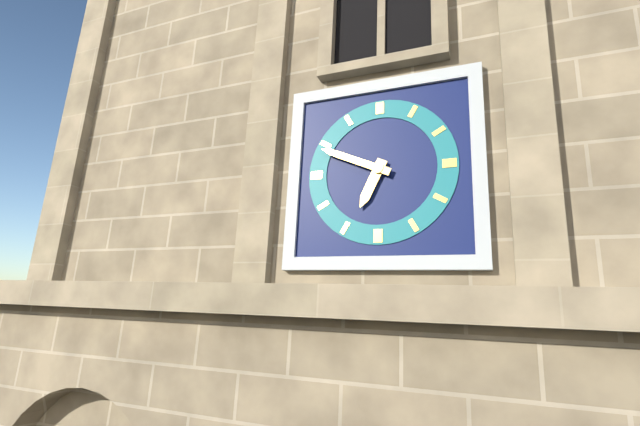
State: 6:49
